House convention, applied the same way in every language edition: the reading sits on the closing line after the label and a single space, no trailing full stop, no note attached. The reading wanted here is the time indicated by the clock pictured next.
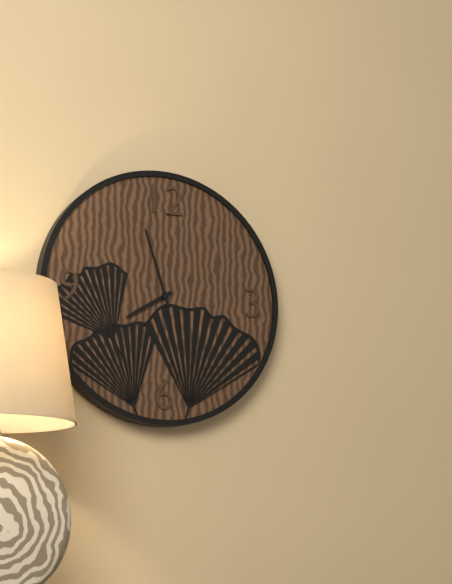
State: 7:57
